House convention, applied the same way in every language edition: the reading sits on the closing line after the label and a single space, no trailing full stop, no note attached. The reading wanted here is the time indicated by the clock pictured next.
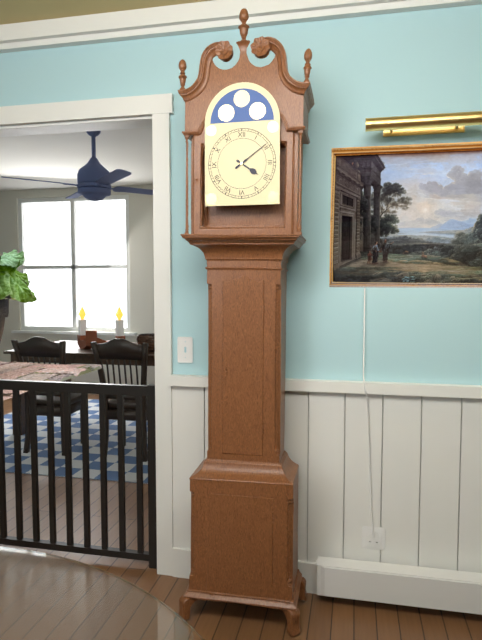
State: 4:09
